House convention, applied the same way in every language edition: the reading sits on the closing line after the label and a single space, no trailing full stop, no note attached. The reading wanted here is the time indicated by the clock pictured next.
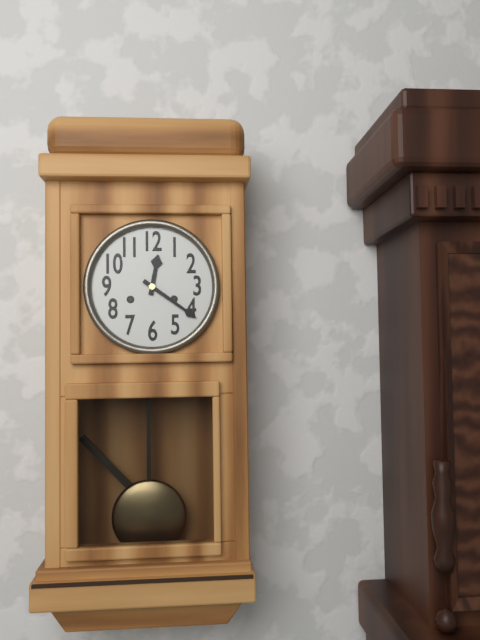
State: 12:21
